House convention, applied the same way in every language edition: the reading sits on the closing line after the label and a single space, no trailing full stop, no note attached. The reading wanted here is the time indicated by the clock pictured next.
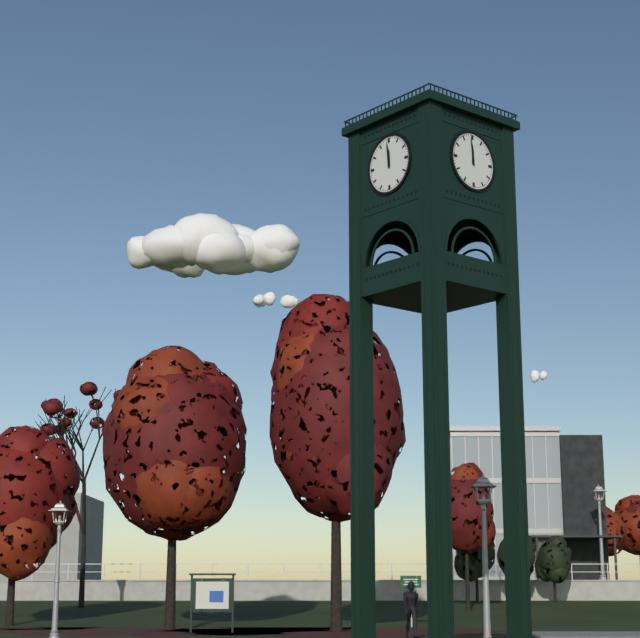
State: 11:59
